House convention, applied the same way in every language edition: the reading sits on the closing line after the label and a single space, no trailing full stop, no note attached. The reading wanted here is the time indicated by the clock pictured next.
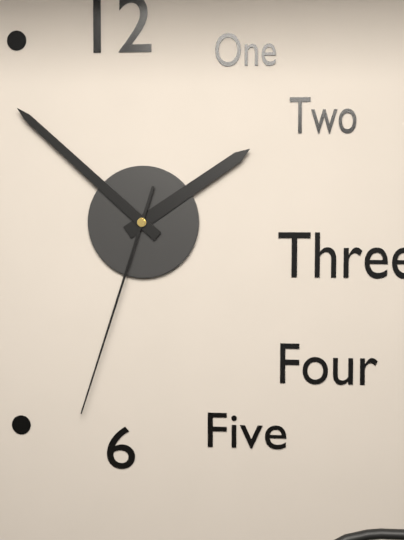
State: 1:52:33
